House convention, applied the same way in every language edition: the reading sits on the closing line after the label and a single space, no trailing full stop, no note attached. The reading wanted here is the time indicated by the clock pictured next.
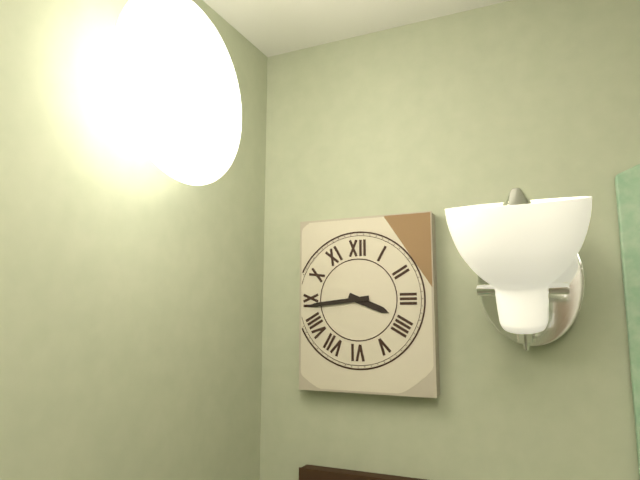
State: 3:44
